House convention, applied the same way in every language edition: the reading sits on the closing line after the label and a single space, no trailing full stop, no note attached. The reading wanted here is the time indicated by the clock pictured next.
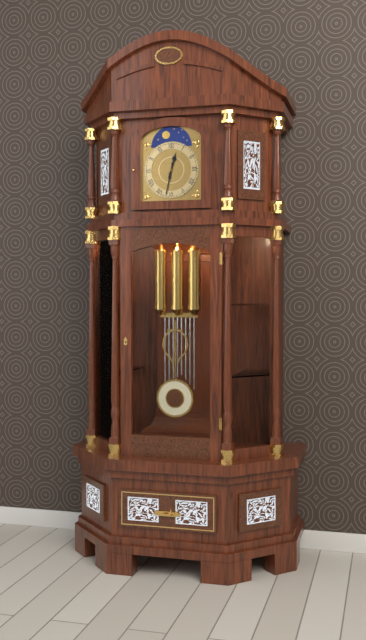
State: 12:32
